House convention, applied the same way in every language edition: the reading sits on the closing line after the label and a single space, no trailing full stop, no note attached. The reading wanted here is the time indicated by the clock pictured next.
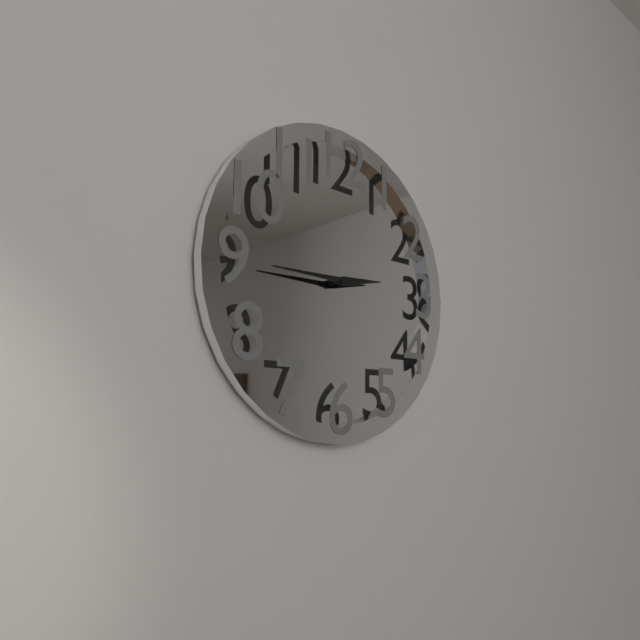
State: 2:45
